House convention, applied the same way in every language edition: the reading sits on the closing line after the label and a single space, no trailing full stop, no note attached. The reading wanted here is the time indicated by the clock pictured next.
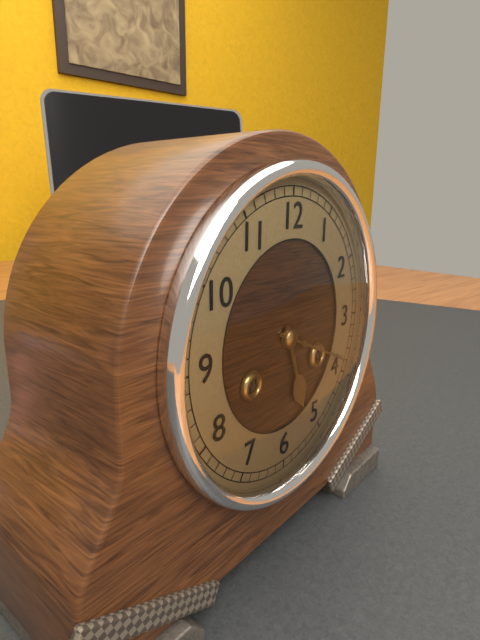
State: 5:19
